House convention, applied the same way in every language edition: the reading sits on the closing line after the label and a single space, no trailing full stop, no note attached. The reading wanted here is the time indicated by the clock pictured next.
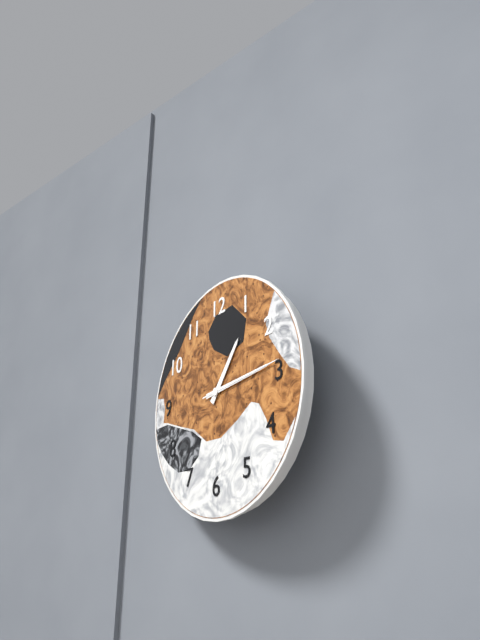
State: 1:14:14
